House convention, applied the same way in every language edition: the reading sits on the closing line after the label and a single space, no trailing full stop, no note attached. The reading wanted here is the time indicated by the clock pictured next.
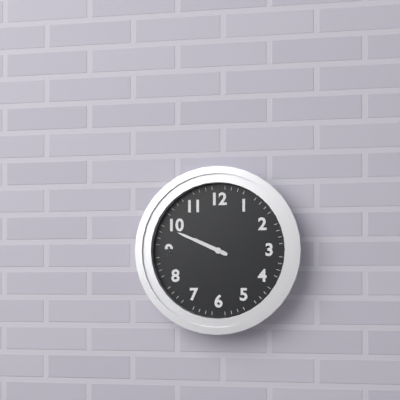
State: 9:49
